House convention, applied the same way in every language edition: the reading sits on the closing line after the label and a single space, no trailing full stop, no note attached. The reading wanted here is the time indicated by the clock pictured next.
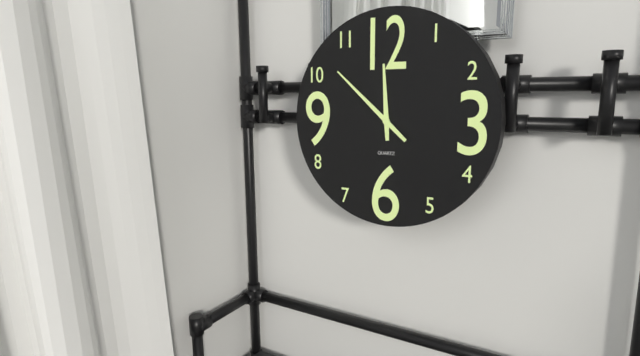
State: 11:52
